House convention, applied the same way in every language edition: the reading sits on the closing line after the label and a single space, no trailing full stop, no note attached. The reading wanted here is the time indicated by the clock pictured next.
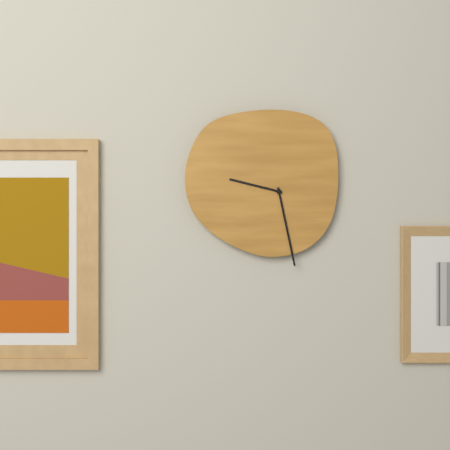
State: 9:28
